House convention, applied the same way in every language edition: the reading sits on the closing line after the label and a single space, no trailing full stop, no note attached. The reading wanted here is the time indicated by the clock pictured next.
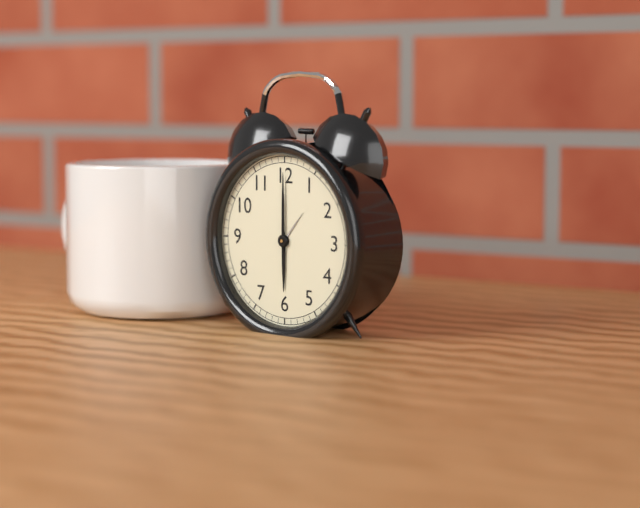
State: 6:00
